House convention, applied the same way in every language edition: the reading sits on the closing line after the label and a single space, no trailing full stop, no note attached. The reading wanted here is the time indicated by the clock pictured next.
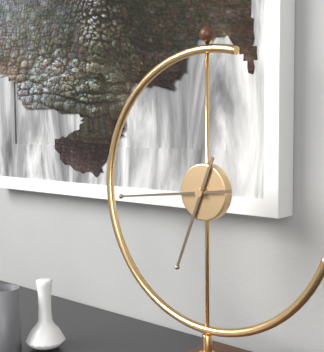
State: 6:44
